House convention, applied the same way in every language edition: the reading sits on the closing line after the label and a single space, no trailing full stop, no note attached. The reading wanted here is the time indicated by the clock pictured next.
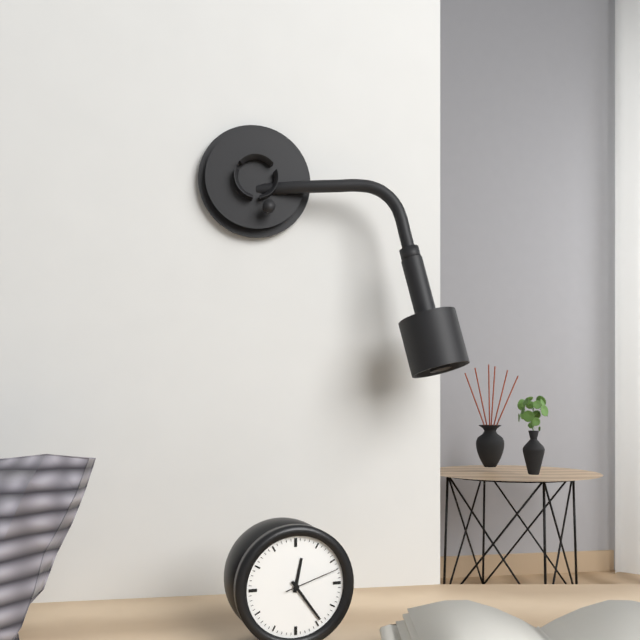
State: 12:24:12
